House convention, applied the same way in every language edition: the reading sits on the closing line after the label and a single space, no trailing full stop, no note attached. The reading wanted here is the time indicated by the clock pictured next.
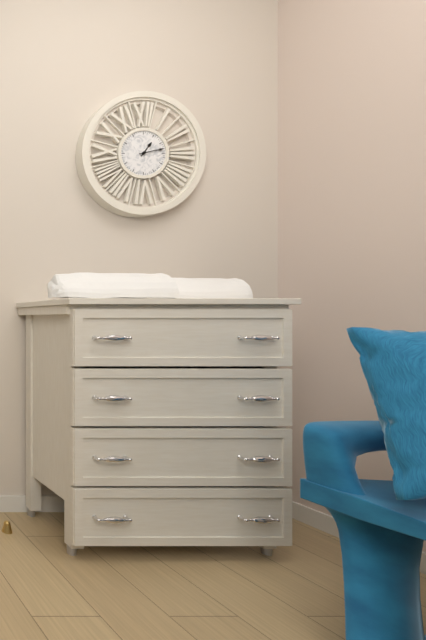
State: 1:13
